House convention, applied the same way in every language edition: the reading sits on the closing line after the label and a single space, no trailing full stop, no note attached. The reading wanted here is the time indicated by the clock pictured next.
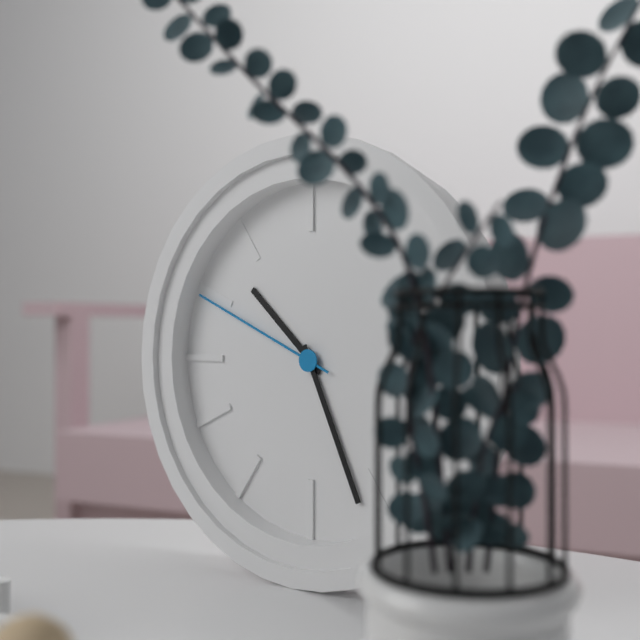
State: 10:26:49
